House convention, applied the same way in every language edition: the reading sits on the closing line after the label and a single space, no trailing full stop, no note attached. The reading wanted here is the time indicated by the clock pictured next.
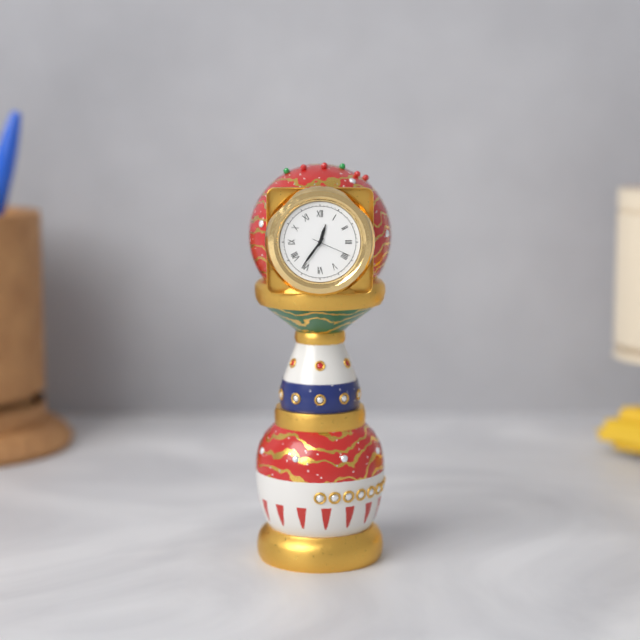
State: 12:36
